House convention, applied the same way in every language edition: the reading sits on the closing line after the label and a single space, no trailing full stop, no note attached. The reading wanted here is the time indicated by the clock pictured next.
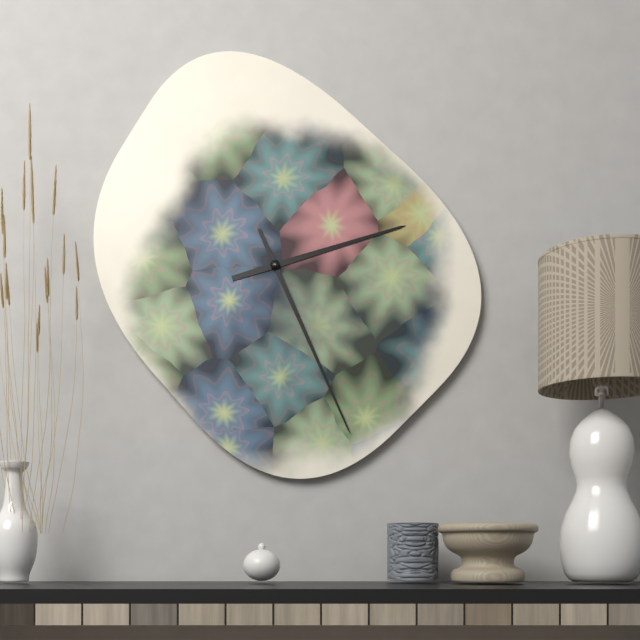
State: 2:26
